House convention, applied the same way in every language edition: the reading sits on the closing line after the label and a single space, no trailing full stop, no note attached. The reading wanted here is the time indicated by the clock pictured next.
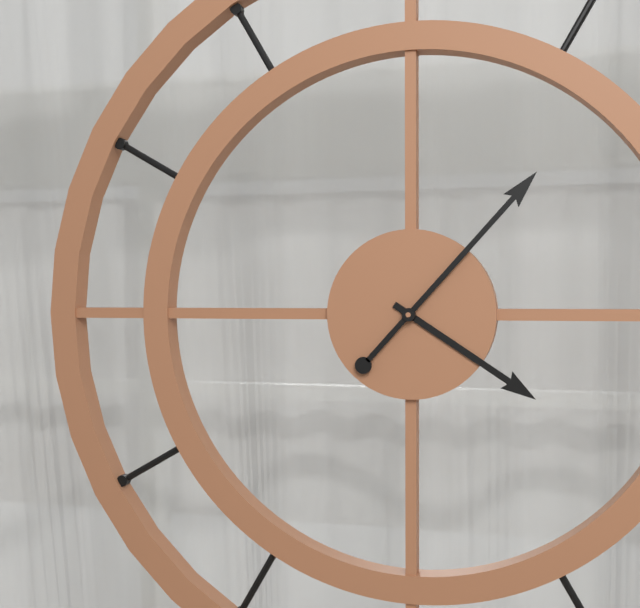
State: 4:07
